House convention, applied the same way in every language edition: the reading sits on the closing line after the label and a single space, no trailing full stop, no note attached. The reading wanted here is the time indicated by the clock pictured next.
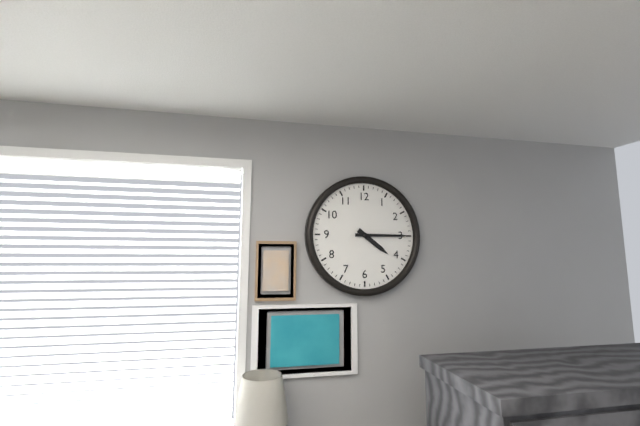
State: 4:15
